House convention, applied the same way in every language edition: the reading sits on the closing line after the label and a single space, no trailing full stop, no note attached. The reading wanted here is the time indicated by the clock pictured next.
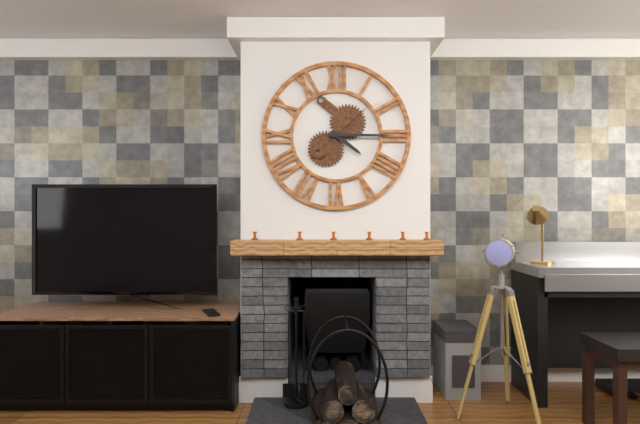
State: 4:15:08
